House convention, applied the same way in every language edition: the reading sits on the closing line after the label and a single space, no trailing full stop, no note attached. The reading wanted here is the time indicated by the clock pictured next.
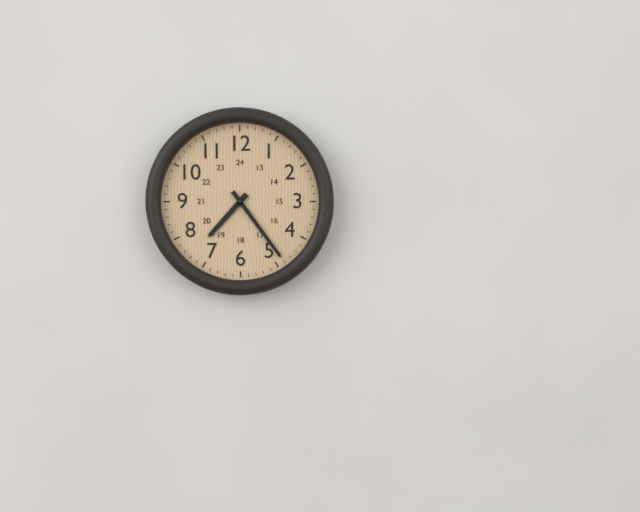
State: 7:24
